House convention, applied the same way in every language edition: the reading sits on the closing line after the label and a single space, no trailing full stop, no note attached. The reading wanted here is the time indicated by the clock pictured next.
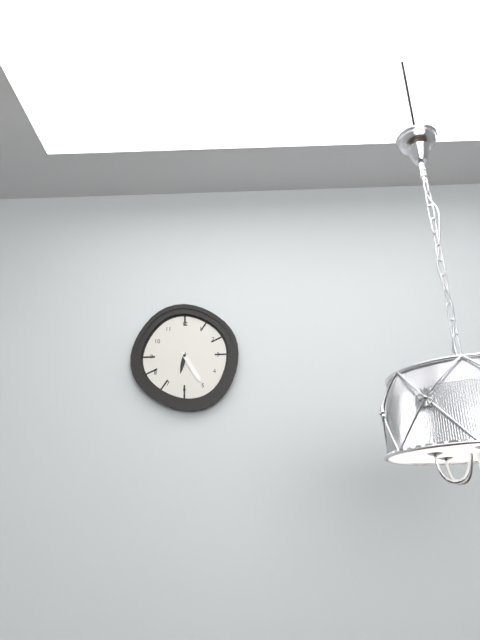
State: 6:25
